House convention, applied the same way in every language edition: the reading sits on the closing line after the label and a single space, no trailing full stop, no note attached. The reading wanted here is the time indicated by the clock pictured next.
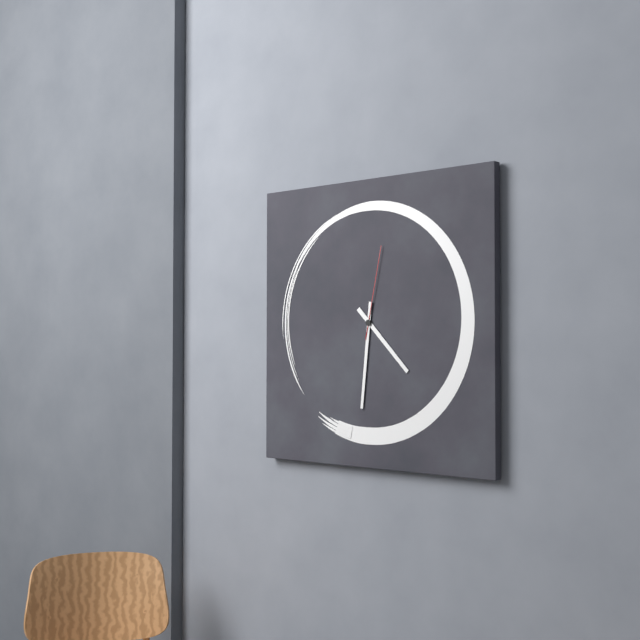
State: 4:31:02
